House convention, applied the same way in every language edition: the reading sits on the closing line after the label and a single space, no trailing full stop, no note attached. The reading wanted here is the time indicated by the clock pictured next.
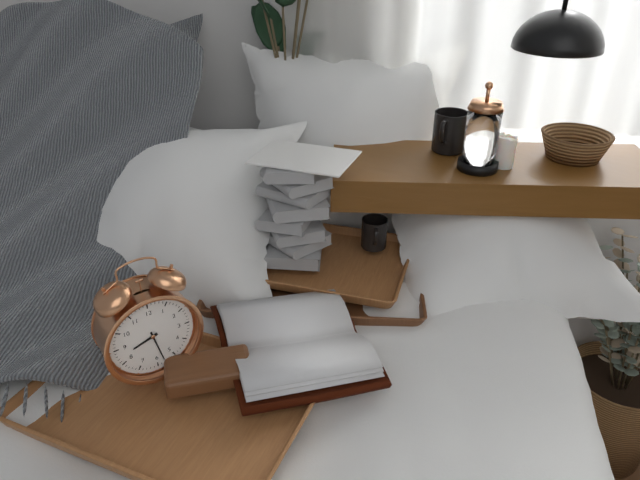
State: 8:28
